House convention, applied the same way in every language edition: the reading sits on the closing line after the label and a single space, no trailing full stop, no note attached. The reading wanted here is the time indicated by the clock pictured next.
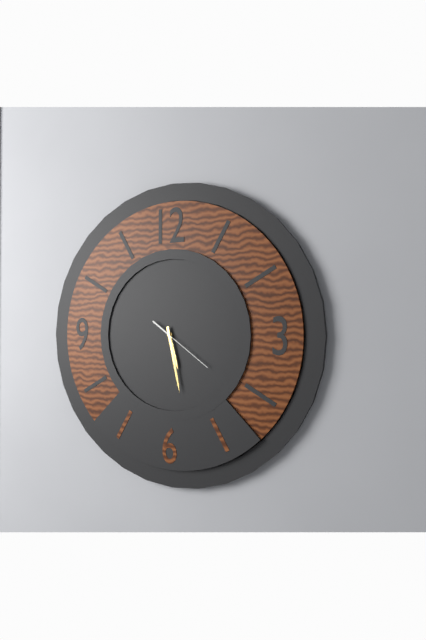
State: 5:28:21
